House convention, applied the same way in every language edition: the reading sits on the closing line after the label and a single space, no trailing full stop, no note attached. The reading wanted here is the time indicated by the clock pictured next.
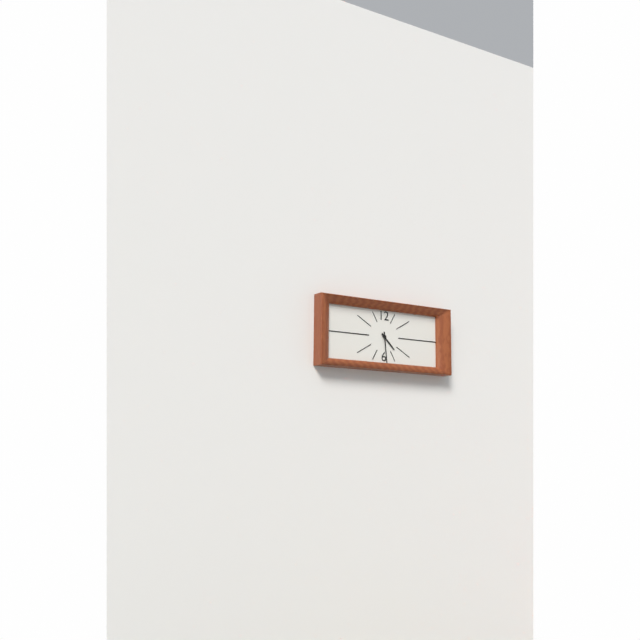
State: 4:29
